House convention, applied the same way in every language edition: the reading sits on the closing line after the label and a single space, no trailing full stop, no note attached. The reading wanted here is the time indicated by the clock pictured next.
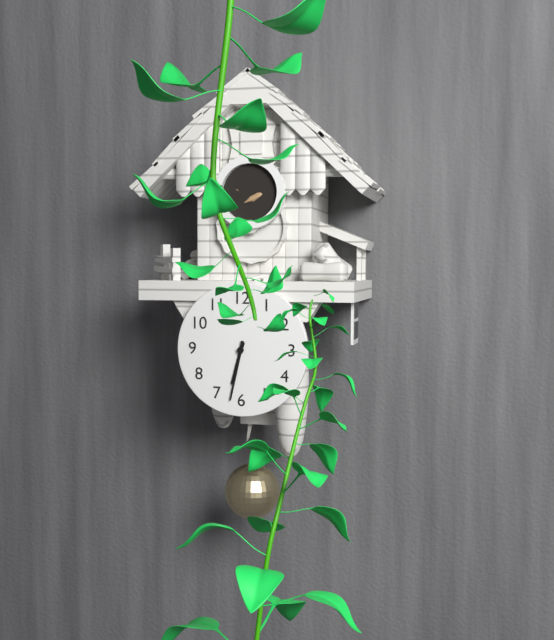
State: 6:32
